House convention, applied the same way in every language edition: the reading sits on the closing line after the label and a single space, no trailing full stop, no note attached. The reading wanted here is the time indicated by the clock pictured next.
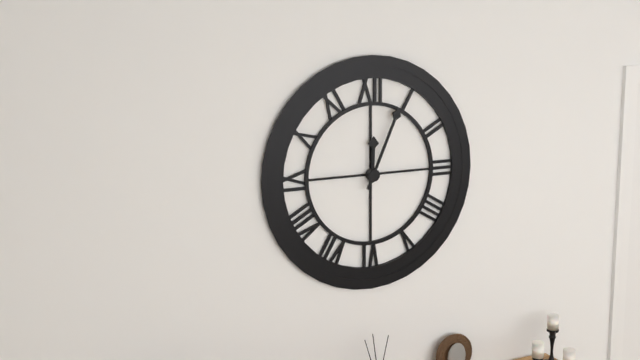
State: 12:04
